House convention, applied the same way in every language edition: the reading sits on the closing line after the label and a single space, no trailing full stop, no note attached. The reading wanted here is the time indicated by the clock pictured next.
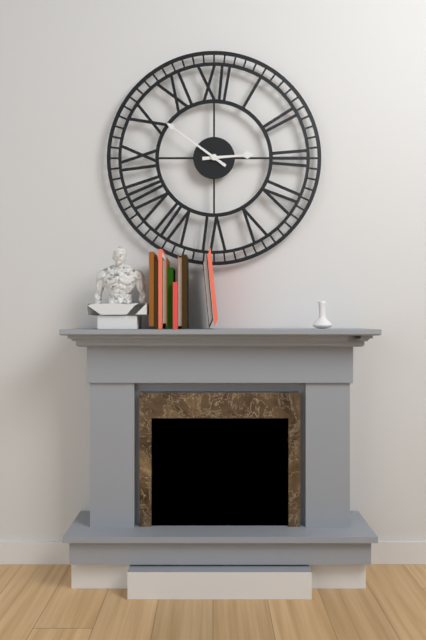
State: 2:51
